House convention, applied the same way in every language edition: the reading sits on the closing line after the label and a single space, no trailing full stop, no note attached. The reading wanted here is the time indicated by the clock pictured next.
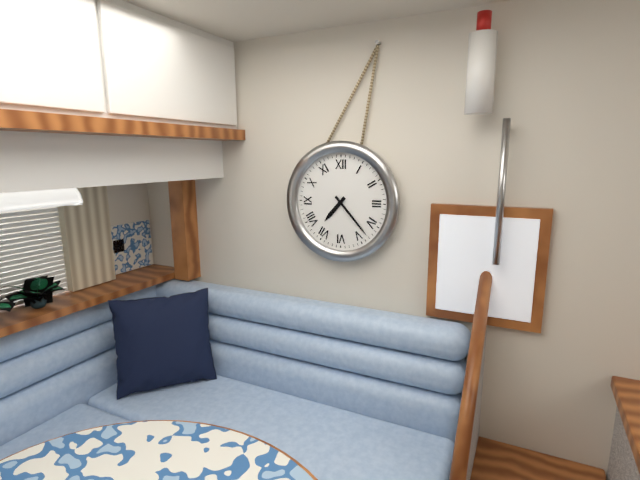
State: 7:23
